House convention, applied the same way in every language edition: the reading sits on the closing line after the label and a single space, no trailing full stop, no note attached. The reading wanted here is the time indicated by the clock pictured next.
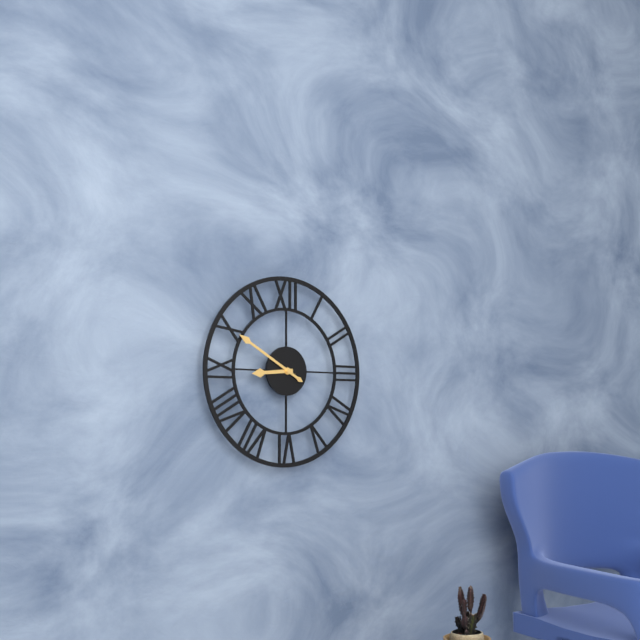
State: 8:50
